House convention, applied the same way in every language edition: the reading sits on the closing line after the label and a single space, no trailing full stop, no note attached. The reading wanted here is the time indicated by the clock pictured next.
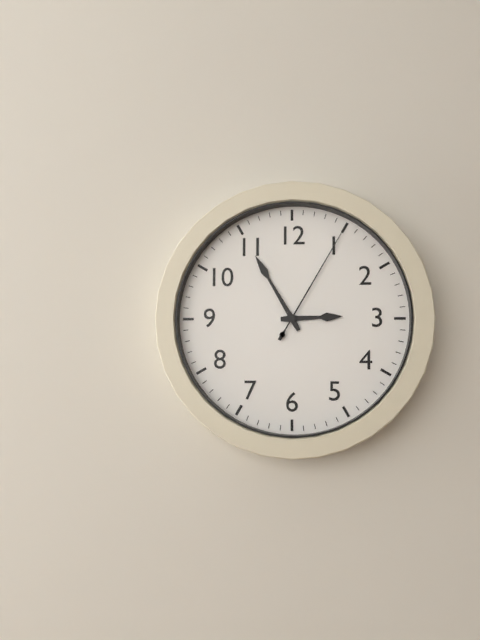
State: 2:55:05
